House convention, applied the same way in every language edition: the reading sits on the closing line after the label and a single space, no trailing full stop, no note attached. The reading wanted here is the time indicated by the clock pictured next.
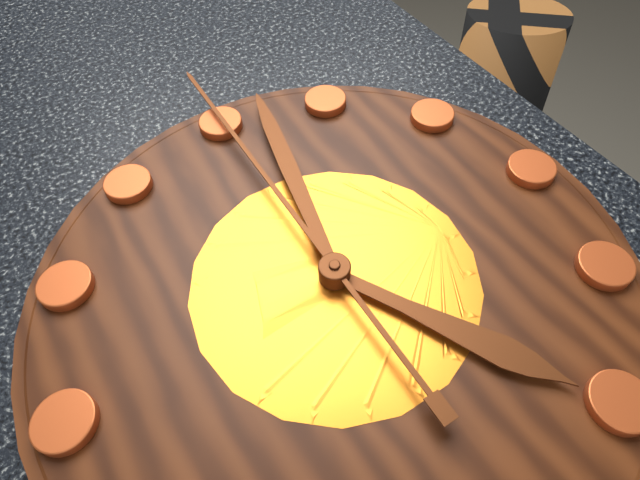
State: 5:02:00
